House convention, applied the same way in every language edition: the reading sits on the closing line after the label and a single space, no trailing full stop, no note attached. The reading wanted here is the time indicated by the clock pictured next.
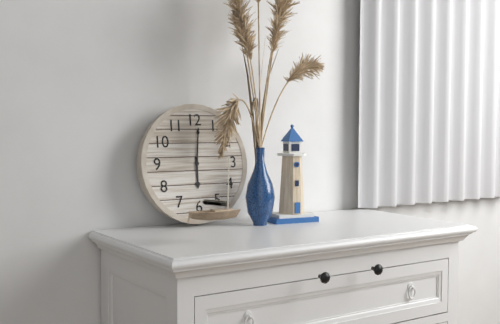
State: 6:01
